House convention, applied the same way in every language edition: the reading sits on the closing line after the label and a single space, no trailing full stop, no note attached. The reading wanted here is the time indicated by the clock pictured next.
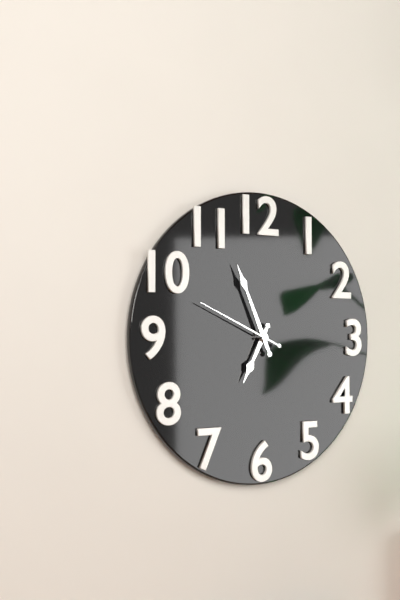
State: 6:56:49
